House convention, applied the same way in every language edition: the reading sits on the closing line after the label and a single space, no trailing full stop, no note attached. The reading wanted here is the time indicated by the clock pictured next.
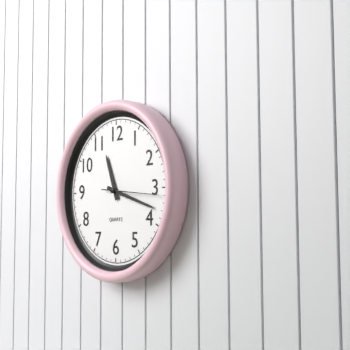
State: 11:18
